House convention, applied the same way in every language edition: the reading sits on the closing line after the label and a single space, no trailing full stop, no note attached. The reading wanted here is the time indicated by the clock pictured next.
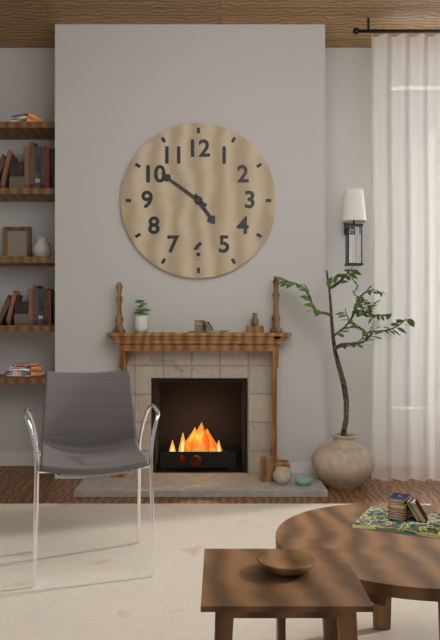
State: 4:51
